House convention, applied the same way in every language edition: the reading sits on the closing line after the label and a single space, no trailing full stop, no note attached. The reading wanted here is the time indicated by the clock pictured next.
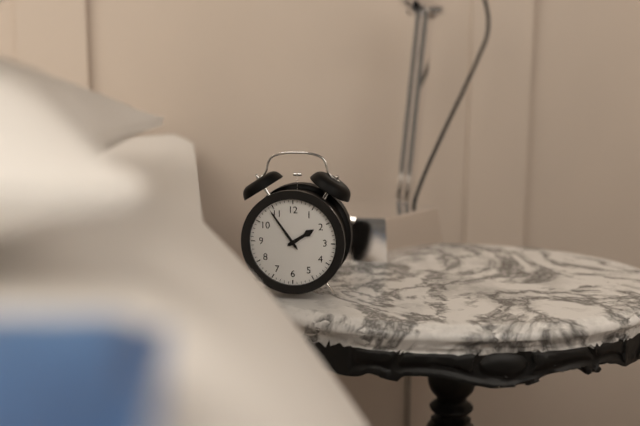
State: 1:54
